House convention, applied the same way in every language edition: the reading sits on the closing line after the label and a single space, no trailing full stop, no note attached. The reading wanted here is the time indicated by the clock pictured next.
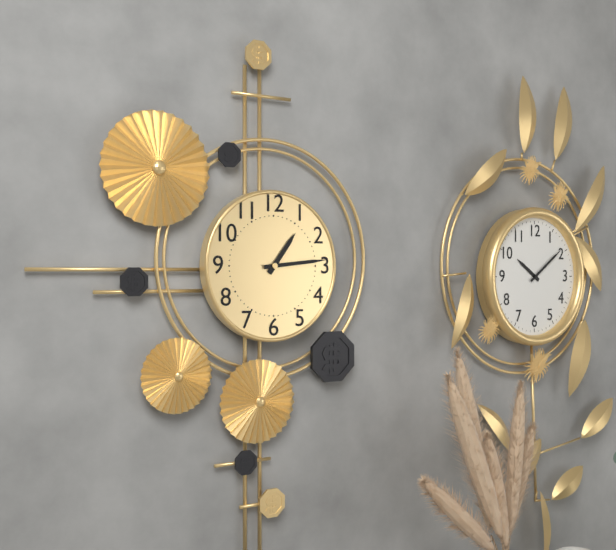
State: 1:14
